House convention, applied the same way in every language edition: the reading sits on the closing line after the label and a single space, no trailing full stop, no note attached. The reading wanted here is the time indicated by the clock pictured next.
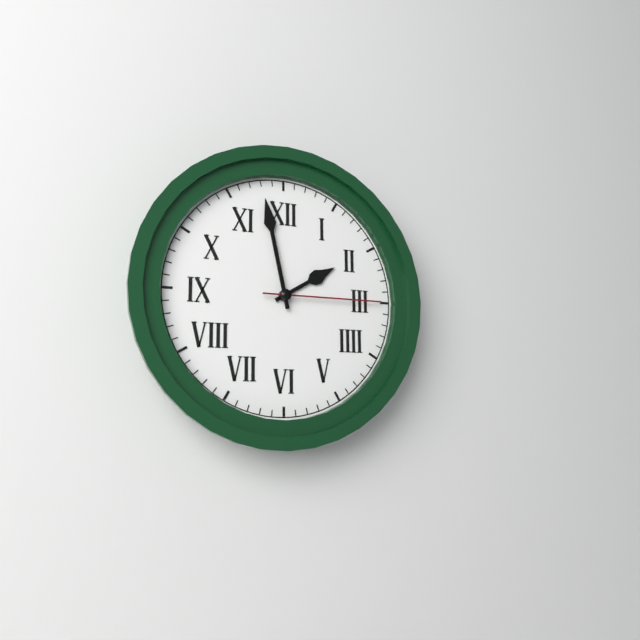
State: 1:58:15
